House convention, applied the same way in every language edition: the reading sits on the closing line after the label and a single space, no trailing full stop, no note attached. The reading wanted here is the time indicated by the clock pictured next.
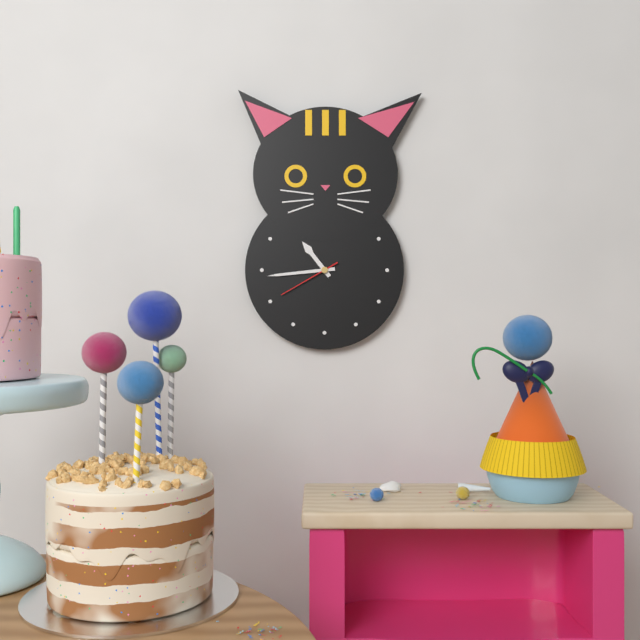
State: 10:44:40
